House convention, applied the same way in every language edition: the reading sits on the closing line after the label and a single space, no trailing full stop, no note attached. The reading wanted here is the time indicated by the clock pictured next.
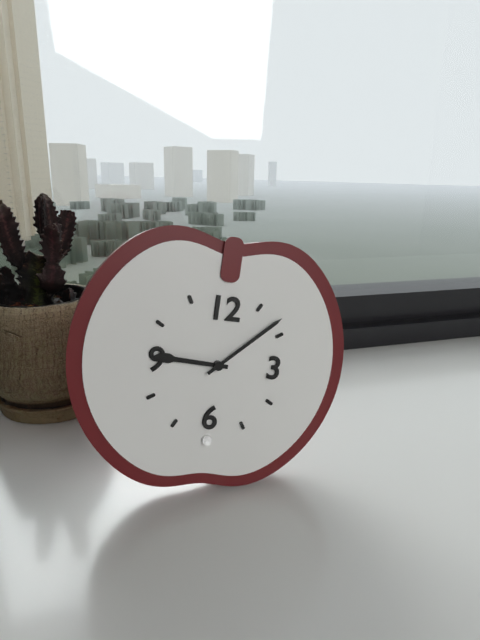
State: 9:08
